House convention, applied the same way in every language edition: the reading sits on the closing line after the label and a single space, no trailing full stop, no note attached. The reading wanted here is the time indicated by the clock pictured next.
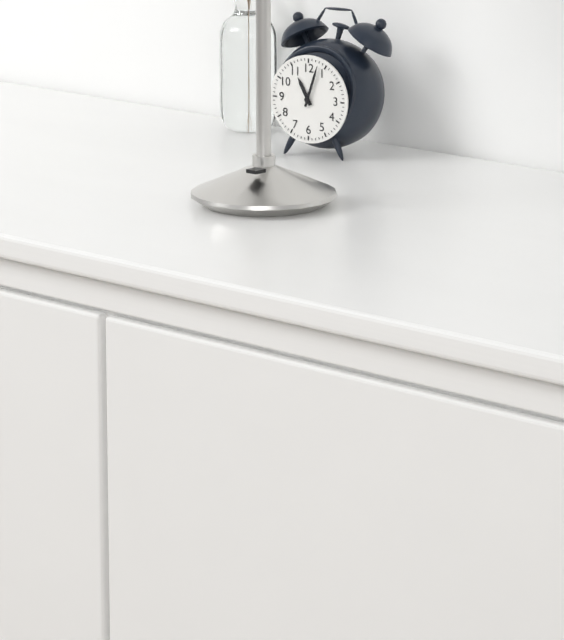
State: 11:03
